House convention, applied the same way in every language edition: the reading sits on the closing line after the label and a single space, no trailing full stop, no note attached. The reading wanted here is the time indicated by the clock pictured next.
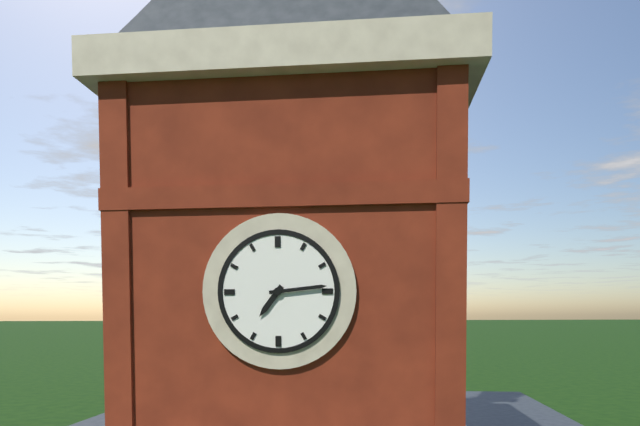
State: 7:14
